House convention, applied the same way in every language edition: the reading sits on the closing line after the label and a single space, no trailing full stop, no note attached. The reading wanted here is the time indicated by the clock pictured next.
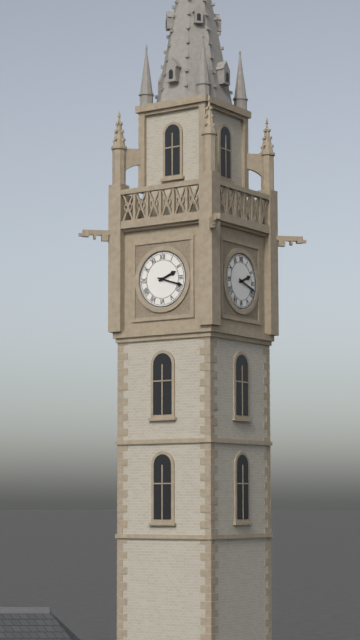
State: 2:18
